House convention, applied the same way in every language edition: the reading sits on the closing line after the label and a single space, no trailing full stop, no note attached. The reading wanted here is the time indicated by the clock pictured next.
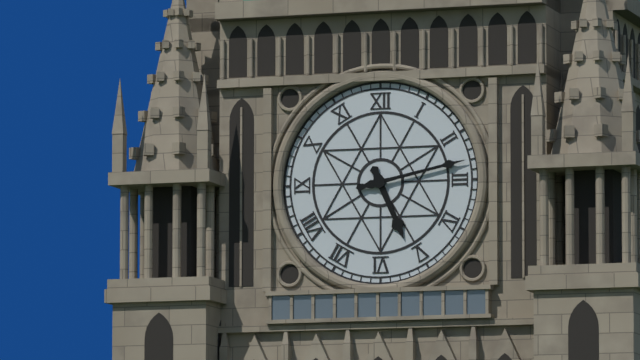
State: 5:13
